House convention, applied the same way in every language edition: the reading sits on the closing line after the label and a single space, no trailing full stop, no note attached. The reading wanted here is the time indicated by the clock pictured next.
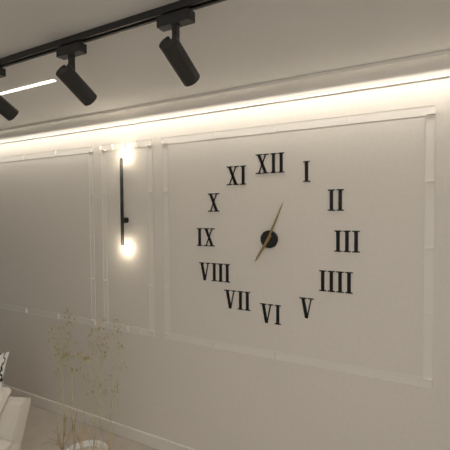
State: 7:04
